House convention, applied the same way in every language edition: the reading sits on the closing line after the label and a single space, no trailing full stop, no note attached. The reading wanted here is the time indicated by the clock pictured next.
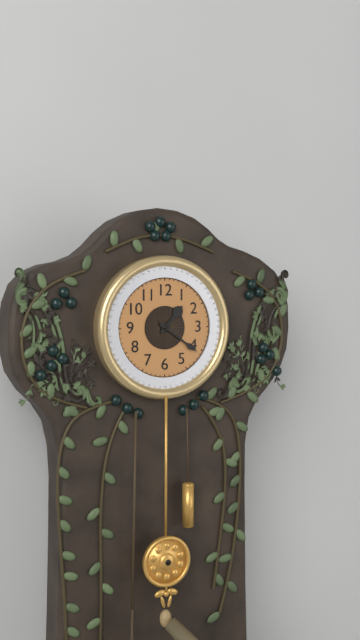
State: 1:21
